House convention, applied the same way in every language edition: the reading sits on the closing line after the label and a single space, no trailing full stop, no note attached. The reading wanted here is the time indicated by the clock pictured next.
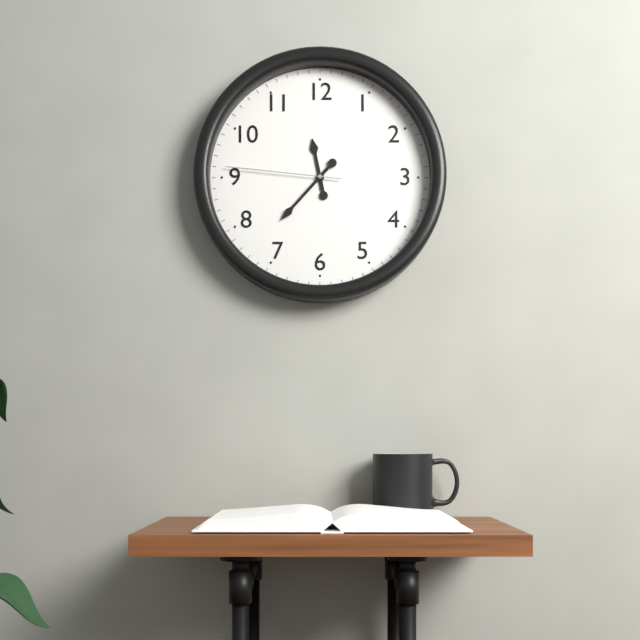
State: 11:37:46
